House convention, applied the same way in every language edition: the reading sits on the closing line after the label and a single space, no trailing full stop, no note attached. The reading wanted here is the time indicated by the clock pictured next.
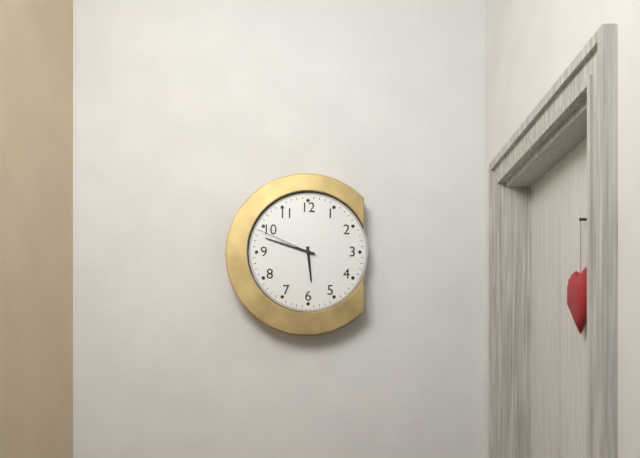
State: 5:48:49
